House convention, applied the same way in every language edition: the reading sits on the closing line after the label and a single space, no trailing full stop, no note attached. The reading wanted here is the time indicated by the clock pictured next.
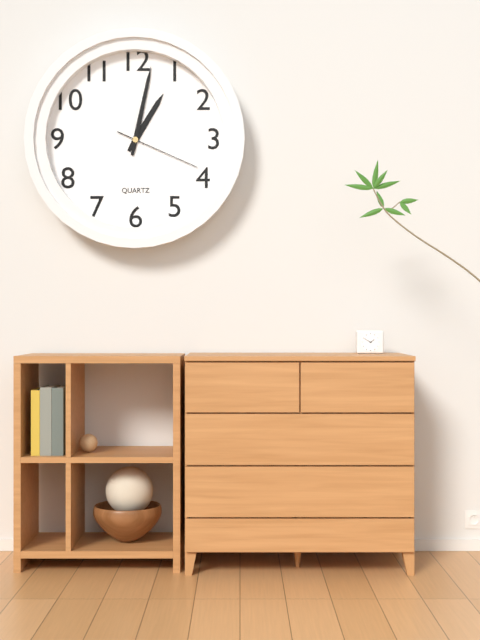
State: 1:02:19
